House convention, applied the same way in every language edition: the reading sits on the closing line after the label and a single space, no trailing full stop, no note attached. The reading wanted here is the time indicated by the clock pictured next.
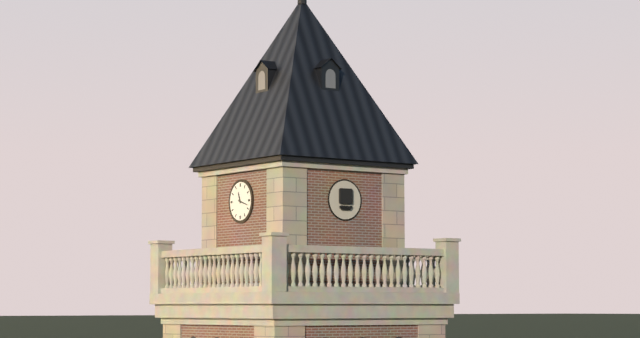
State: 11:18
